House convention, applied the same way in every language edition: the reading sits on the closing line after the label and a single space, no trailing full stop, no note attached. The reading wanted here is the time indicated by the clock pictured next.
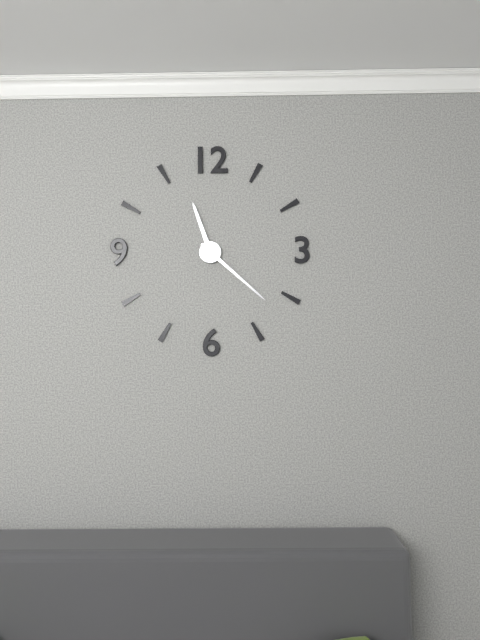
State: 11:22
